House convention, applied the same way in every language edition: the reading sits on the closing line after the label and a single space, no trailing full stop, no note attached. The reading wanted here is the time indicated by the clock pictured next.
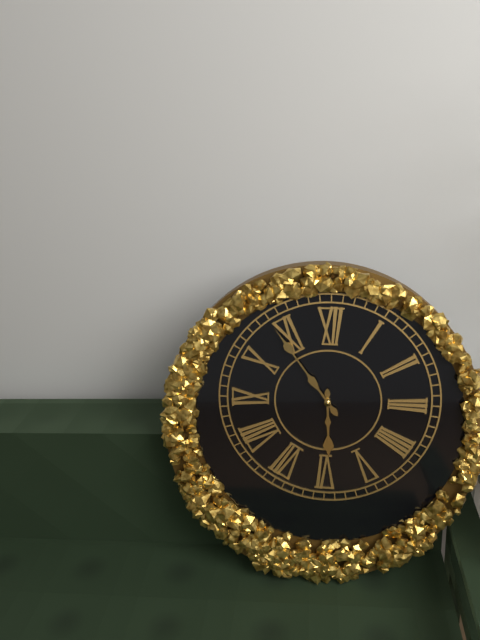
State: 5:54
